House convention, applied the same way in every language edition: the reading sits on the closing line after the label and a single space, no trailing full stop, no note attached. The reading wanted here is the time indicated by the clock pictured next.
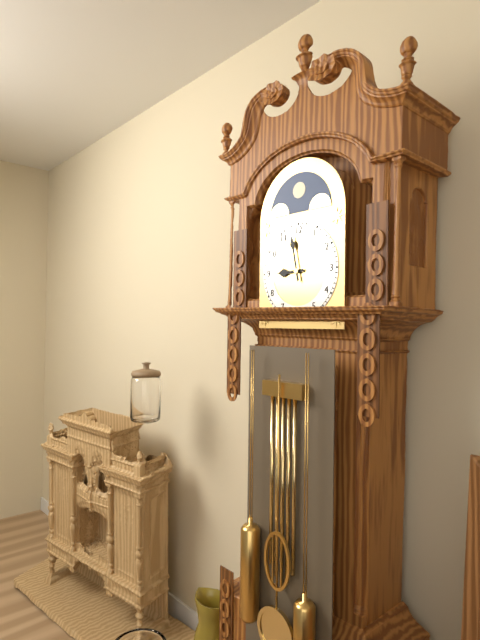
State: 8:58
